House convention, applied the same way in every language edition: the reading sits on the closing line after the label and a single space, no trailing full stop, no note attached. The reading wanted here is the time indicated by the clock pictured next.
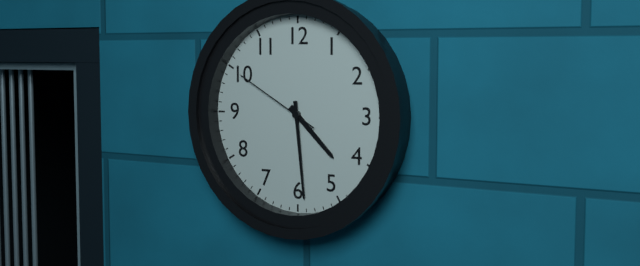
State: 4:29:50
